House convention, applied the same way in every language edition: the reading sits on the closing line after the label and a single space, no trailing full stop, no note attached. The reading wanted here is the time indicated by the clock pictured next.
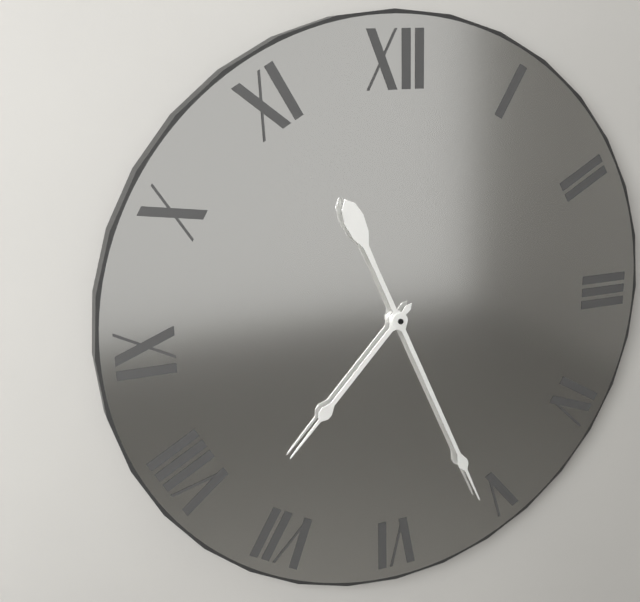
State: 7:26
